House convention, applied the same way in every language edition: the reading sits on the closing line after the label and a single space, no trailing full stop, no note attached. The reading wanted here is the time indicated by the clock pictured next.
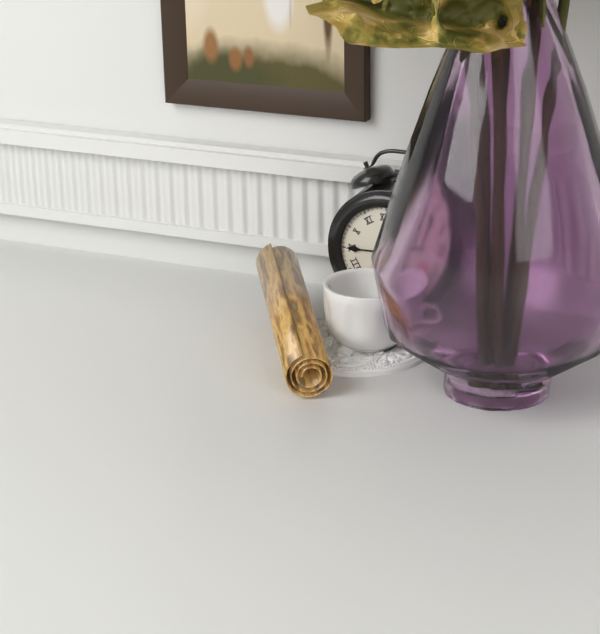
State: 12:45
